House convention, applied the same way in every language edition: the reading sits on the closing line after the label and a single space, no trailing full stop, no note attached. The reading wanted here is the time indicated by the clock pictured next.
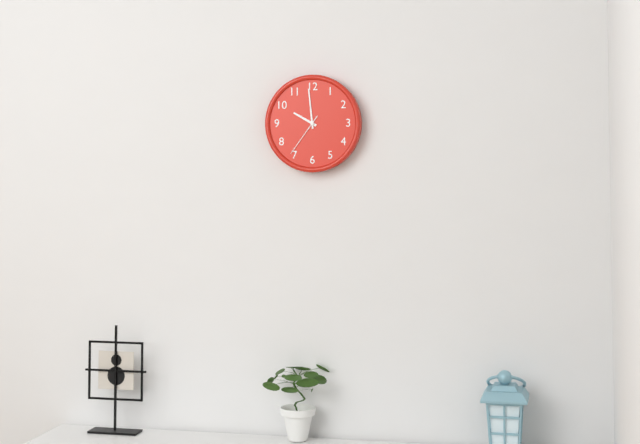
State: 9:59
